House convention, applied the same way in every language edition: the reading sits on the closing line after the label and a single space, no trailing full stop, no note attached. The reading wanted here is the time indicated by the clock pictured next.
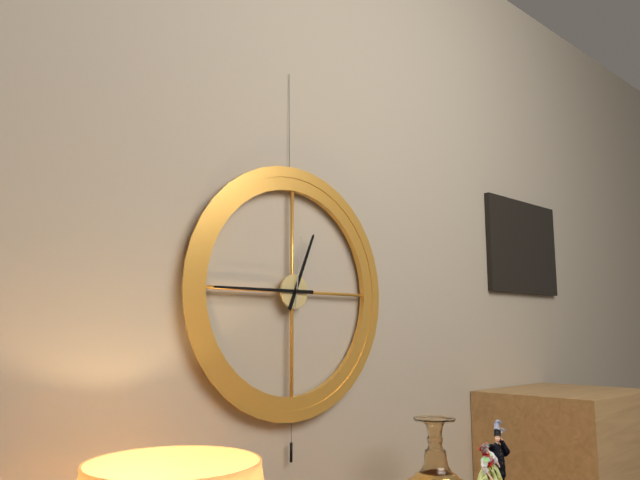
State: 12:45:01
